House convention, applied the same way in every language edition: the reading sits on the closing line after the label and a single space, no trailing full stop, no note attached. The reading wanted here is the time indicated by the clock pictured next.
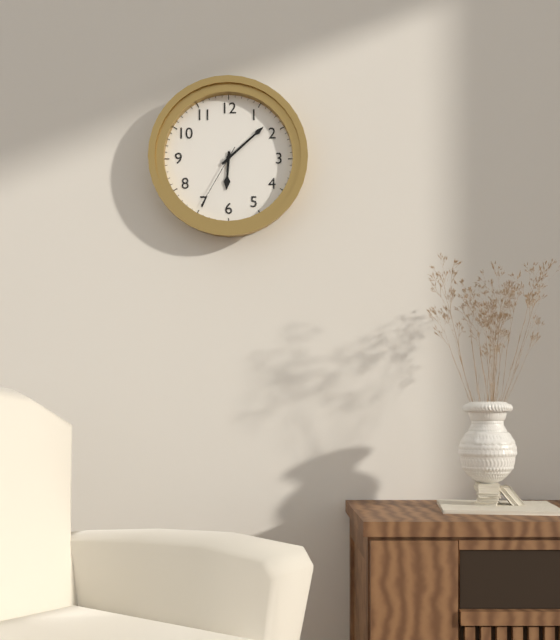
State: 6:08:35
